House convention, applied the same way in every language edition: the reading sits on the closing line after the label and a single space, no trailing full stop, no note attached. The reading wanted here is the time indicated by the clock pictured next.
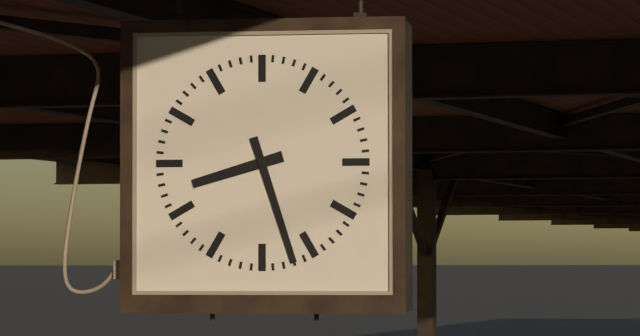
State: 8:27
